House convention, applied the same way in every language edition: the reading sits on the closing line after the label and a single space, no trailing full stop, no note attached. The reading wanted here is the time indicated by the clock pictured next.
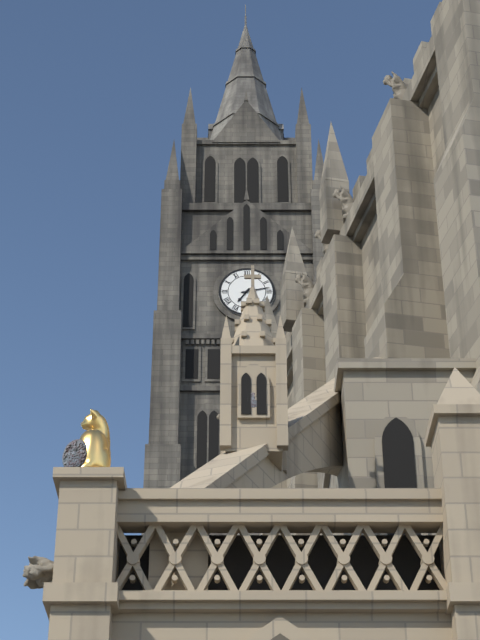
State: 7:13
